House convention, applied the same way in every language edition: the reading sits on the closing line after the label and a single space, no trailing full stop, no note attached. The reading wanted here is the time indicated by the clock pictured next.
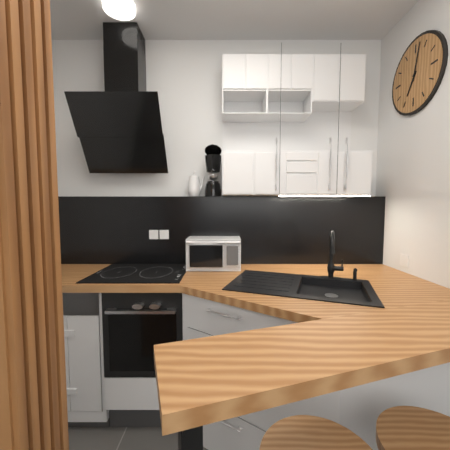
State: 7:02
